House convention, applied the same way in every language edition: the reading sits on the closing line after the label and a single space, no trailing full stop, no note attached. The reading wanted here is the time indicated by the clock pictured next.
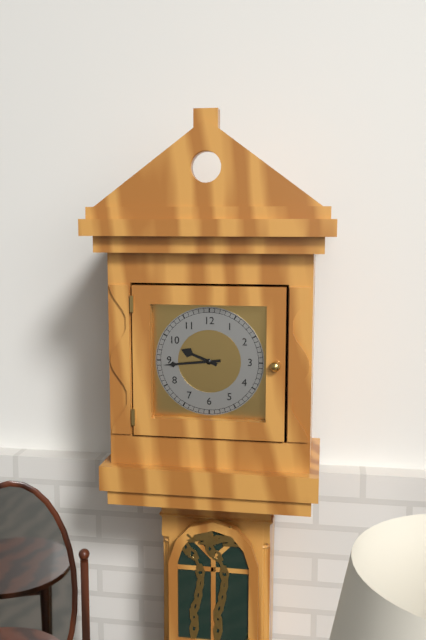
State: 9:44
